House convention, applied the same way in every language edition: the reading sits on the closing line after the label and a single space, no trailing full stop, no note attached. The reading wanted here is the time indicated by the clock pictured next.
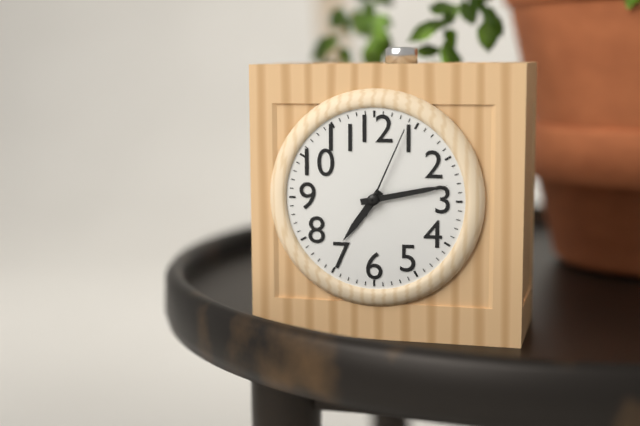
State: 7:13:04
